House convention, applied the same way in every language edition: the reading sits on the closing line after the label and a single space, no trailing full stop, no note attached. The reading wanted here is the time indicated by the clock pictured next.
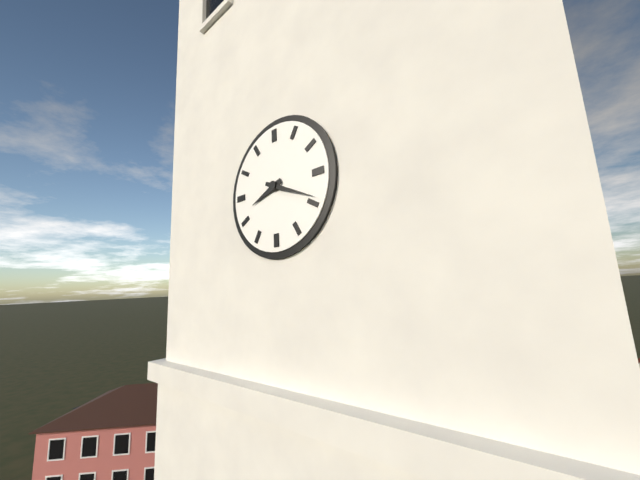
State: 8:19
